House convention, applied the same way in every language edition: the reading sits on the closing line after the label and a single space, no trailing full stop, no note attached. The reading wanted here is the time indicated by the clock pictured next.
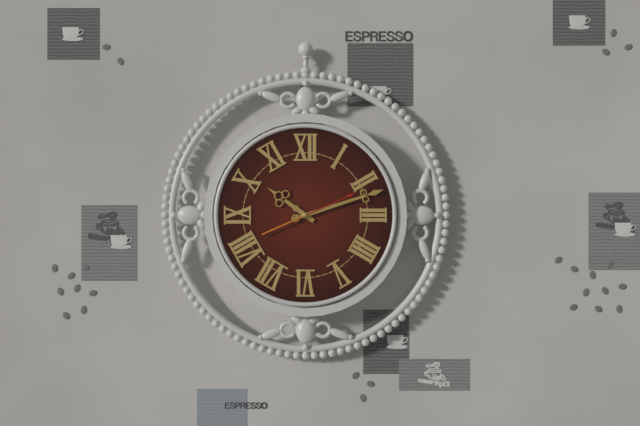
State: 10:12:11
